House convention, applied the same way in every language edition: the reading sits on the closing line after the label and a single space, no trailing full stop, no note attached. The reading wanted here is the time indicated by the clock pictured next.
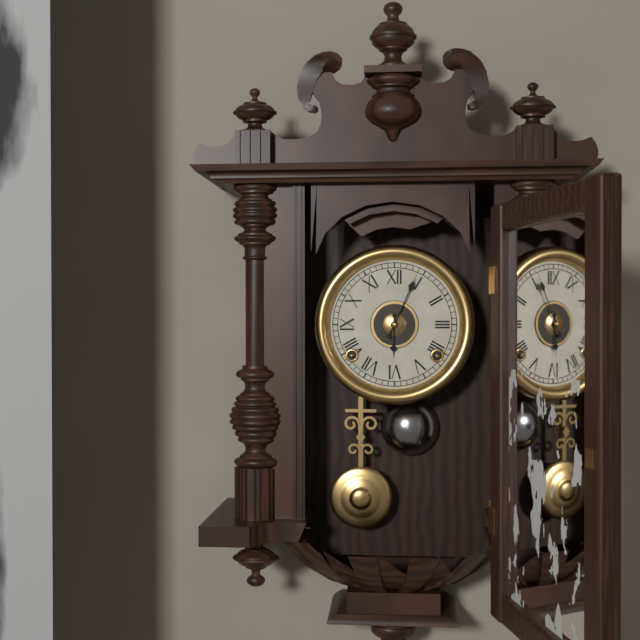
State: 6:04
